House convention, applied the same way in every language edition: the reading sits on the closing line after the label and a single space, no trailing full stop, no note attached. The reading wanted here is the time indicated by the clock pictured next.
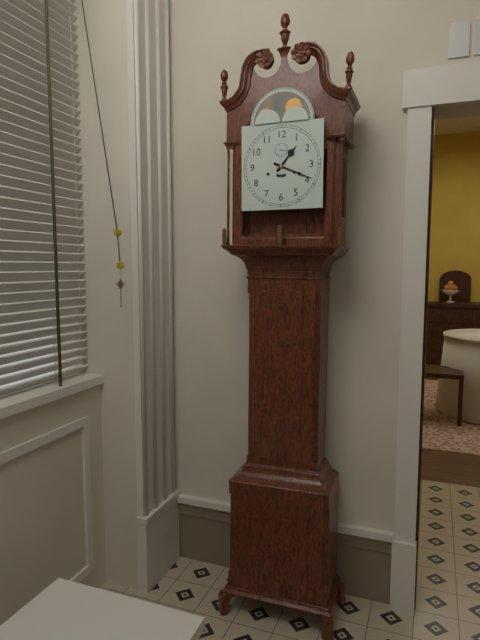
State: 1:19
